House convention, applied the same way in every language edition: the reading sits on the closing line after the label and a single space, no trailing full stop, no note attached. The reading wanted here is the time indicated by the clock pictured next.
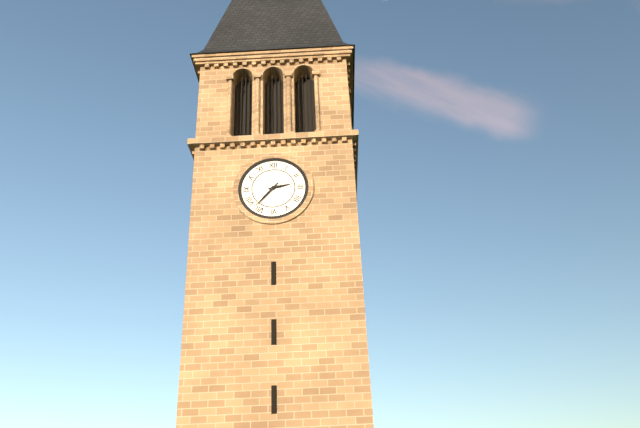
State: 2:37
